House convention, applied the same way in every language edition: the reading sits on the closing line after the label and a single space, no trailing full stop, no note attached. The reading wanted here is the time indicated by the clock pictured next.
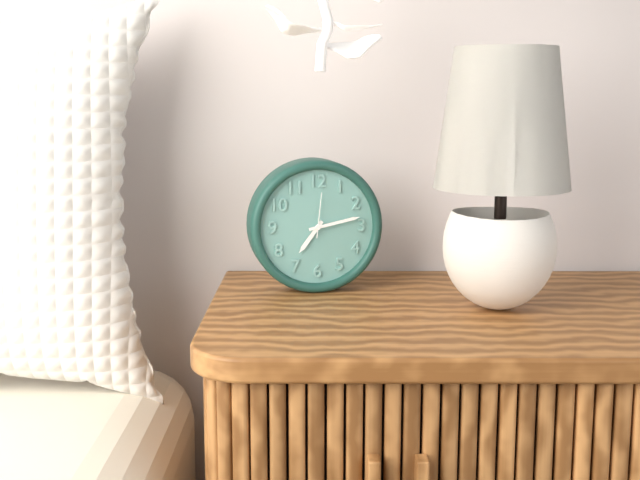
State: 7:13
